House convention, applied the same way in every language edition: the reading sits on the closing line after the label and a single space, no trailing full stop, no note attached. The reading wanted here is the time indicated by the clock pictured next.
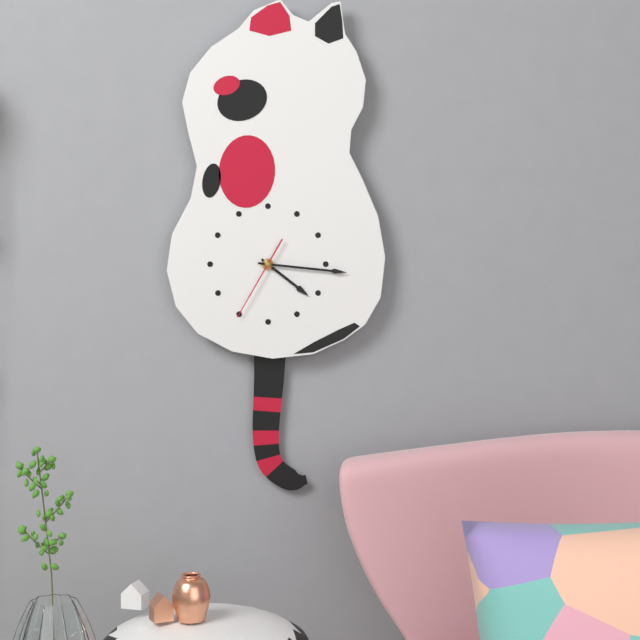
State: 4:16:35
